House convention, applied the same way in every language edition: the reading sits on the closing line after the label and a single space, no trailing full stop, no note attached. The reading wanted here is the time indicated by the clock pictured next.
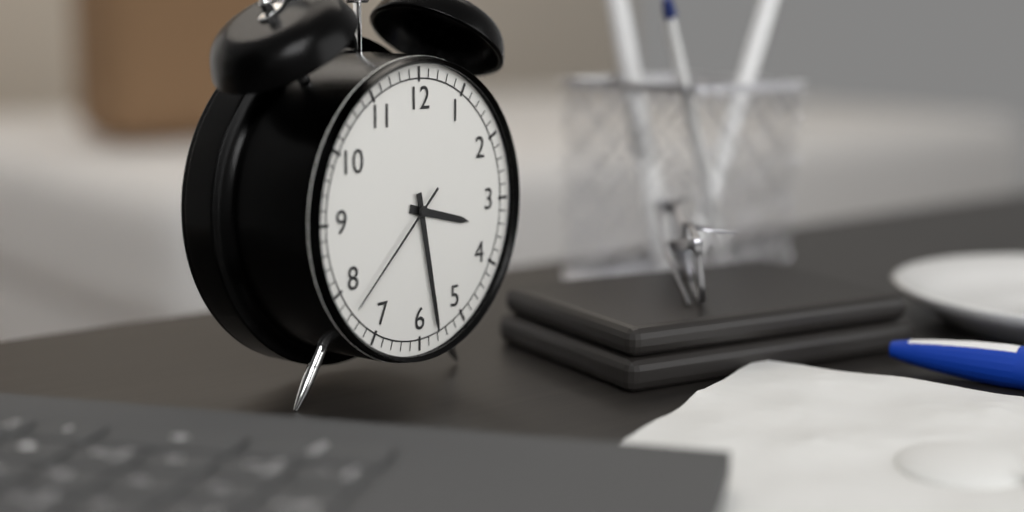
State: 3:28:38
